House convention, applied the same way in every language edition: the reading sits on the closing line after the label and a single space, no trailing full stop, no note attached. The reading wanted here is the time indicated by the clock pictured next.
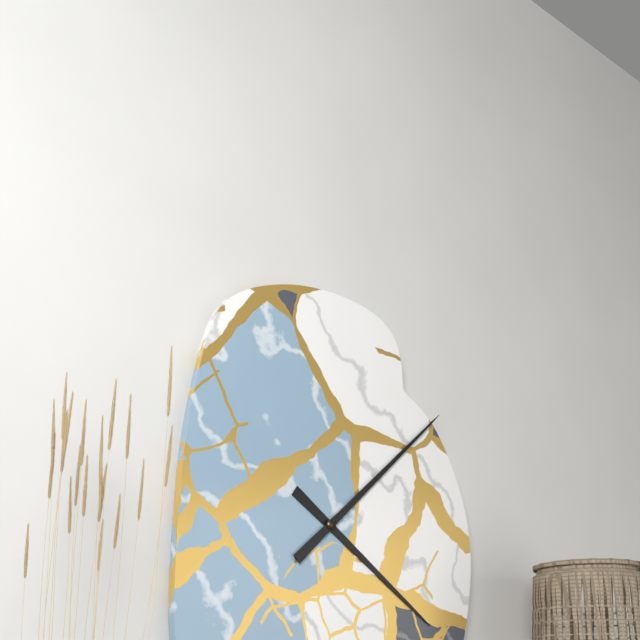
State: 4:08
